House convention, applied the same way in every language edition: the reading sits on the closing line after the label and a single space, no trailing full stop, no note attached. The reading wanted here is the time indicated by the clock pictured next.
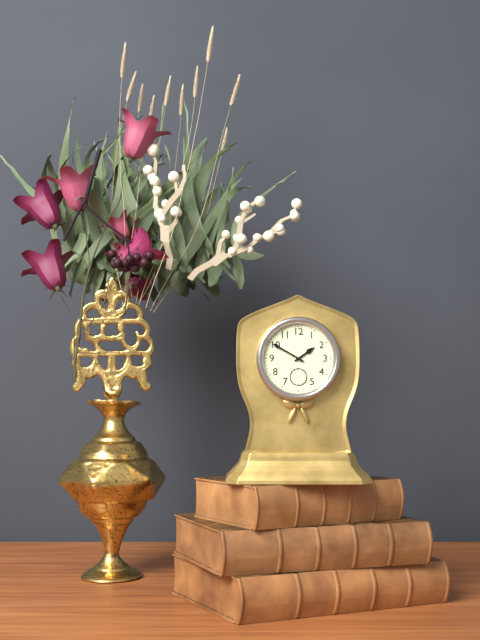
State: 1:50
